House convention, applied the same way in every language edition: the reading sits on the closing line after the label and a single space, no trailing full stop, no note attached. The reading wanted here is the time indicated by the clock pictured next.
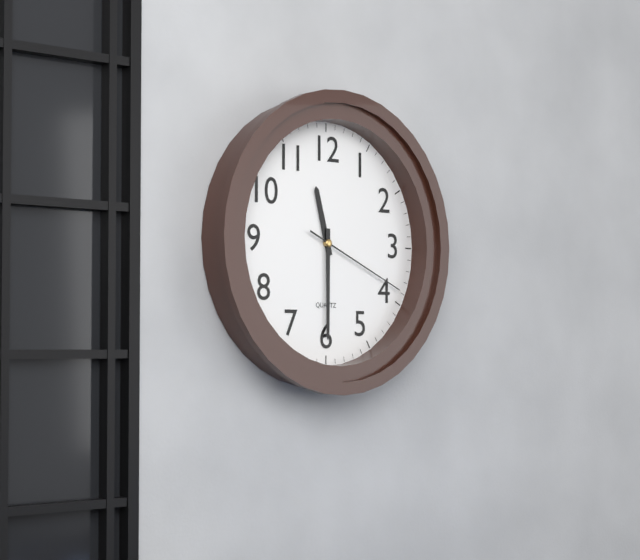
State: 11:30:19
